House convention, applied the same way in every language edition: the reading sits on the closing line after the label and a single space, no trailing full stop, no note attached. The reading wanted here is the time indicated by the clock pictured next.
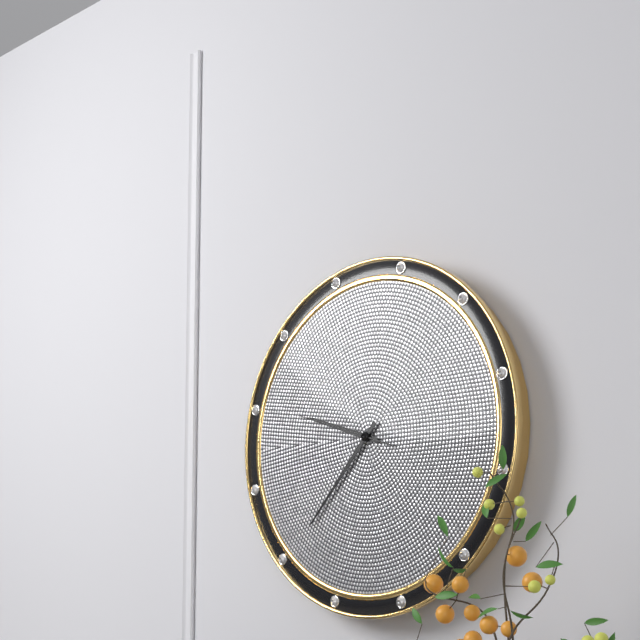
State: 9:37:48
